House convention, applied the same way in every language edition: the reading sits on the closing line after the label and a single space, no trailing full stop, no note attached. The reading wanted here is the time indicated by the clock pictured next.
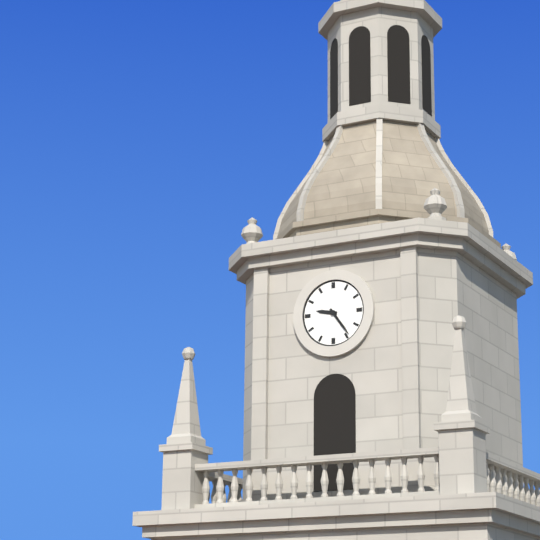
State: 9:24
